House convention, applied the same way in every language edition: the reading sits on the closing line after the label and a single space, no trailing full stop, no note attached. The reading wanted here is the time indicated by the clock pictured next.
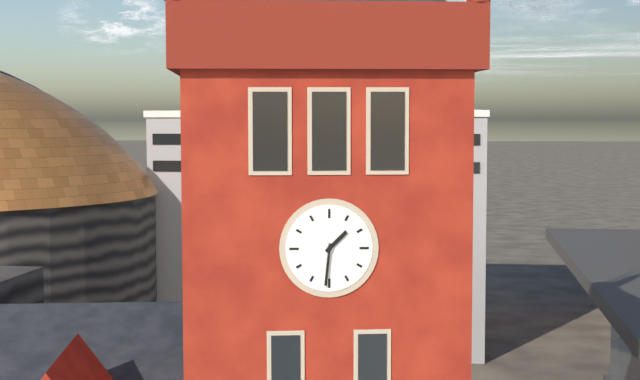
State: 1:31
